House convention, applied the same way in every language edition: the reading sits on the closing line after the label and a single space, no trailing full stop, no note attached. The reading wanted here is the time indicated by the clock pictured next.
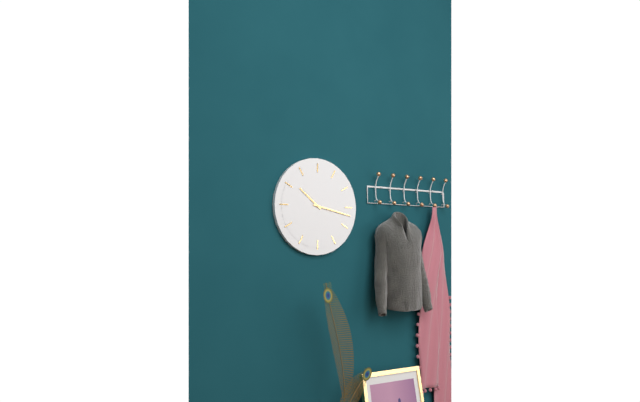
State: 10:17
